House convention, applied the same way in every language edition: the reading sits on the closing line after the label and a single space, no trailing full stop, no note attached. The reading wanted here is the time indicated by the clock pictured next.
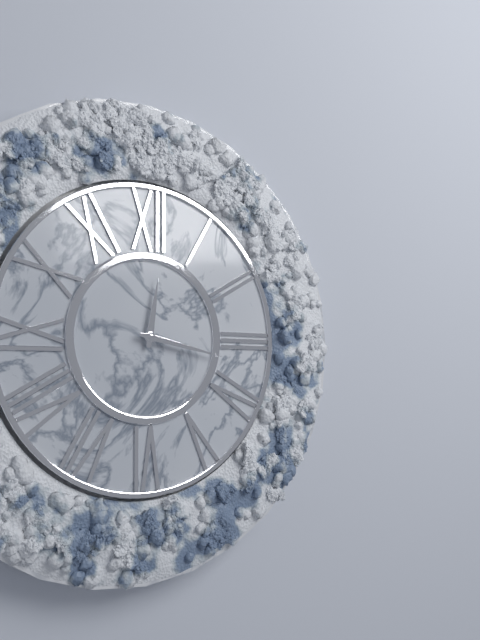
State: 12:17
